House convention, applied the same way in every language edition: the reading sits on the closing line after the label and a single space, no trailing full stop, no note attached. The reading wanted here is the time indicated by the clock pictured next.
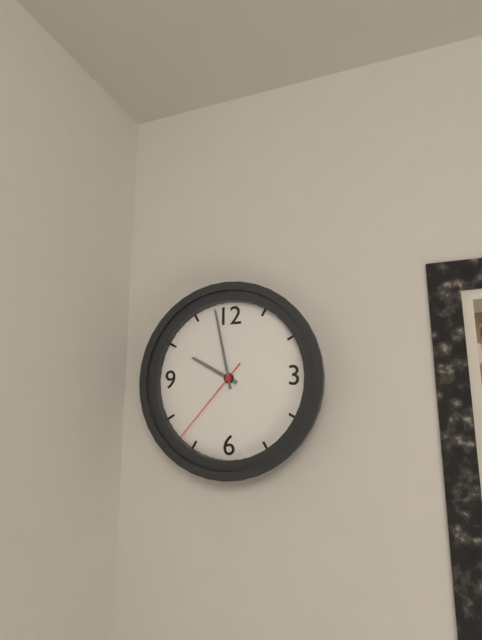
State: 9:58:37
